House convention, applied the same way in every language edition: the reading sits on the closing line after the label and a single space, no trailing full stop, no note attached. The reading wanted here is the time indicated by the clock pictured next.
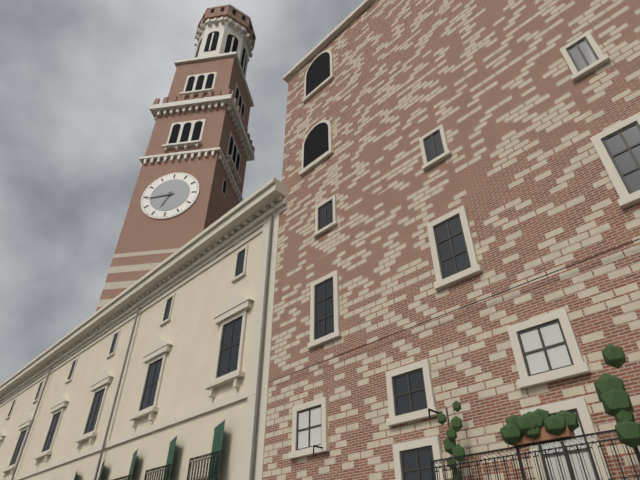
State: 6:44
